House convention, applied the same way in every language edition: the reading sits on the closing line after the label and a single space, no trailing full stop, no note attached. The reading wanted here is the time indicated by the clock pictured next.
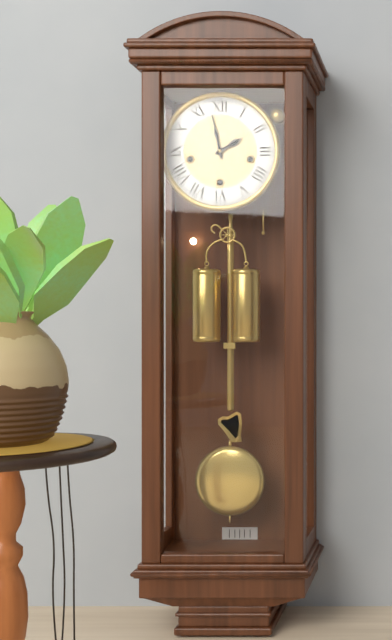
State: 1:58
